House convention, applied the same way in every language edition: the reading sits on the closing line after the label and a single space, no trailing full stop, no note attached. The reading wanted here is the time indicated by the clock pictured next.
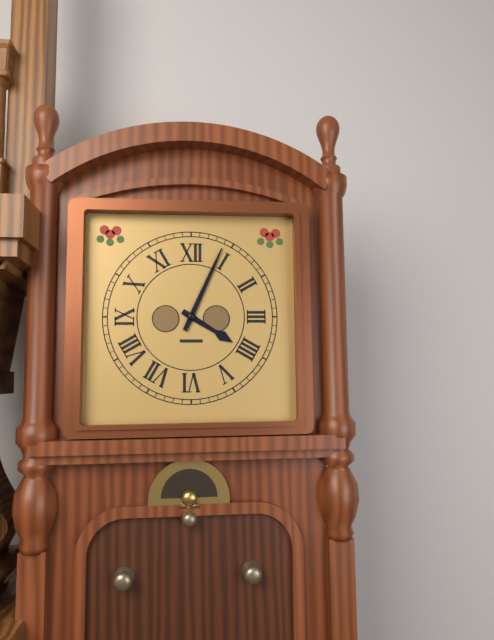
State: 4:04
